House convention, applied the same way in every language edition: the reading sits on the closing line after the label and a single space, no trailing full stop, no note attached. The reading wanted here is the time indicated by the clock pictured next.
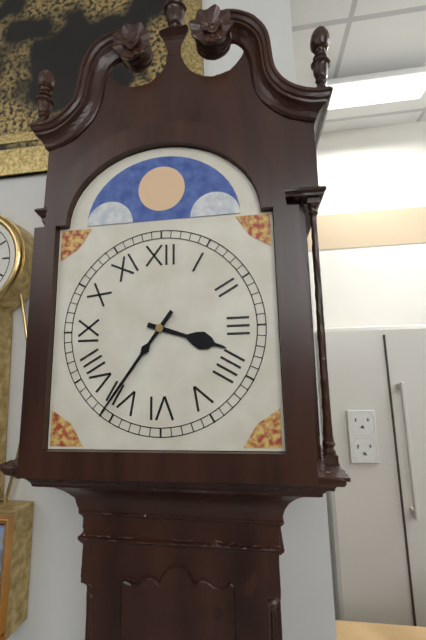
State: 3:36
